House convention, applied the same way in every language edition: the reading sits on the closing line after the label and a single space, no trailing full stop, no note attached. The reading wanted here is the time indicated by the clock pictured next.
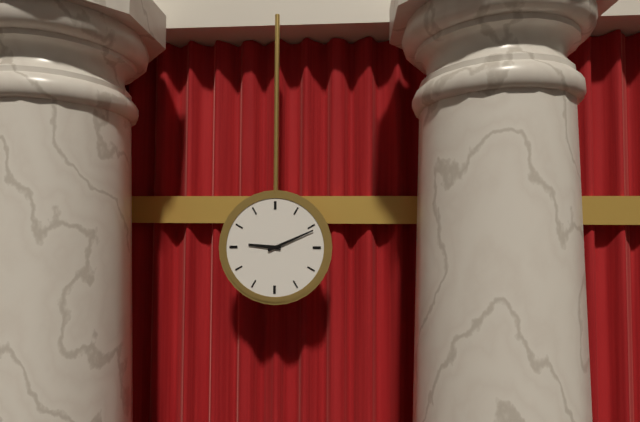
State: 9:11
